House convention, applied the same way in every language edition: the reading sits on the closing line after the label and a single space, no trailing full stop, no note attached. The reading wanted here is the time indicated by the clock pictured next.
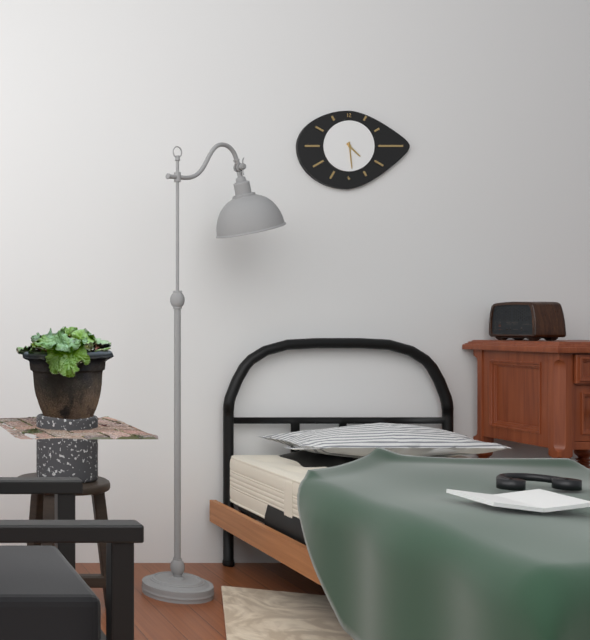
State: 4:29
